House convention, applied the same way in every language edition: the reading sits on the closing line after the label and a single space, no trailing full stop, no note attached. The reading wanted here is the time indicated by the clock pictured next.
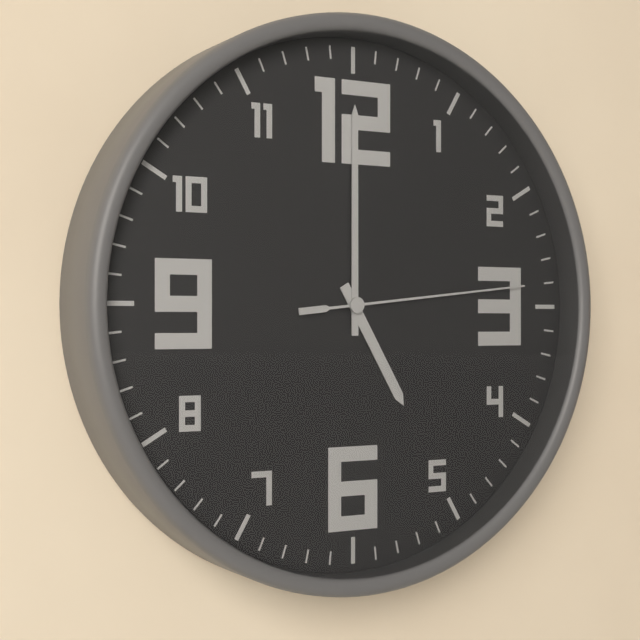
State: 5:00:14
